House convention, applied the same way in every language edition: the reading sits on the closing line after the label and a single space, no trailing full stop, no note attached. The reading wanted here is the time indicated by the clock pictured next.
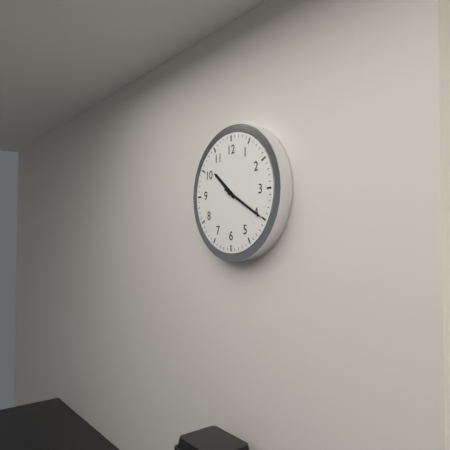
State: 10:20
